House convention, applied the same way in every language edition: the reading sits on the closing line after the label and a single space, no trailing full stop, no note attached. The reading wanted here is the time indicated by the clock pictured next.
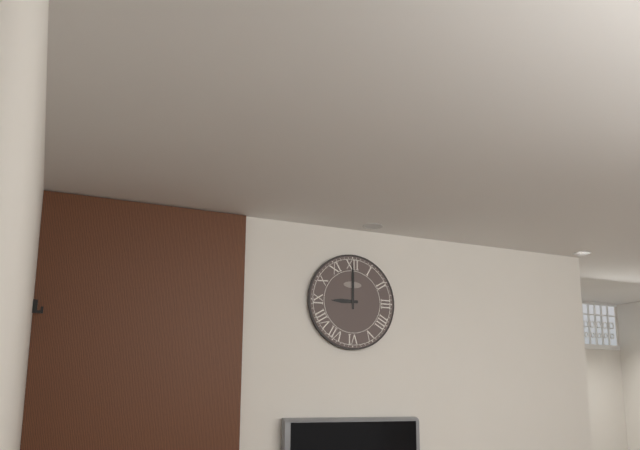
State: 9:00
